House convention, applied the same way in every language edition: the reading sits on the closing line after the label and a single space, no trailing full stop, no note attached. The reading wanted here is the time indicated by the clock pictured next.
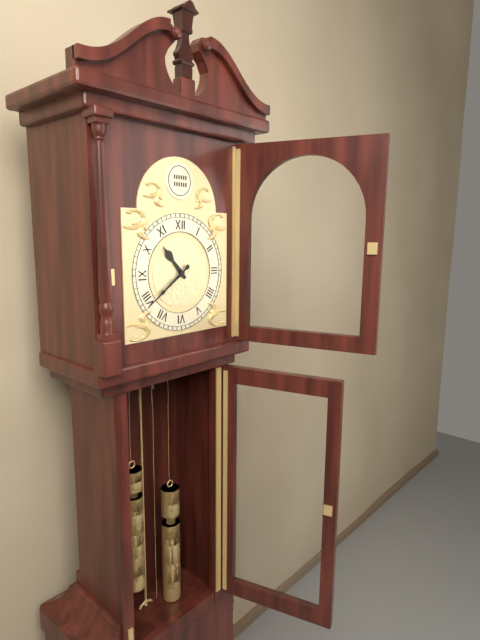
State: 10:39
